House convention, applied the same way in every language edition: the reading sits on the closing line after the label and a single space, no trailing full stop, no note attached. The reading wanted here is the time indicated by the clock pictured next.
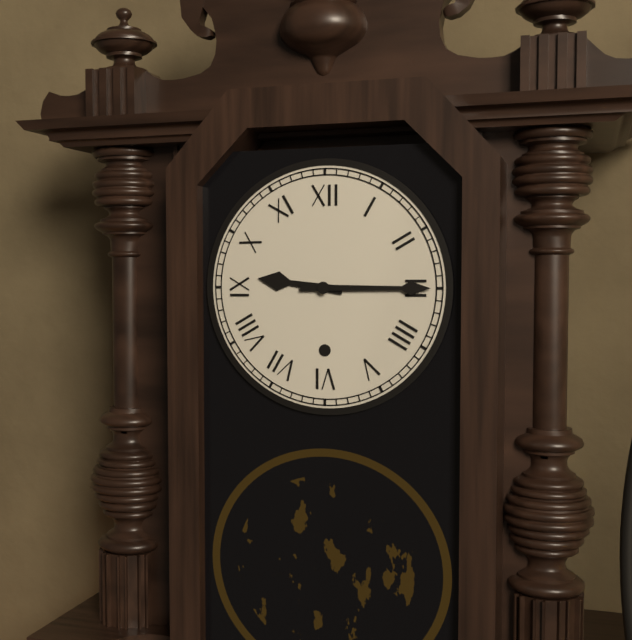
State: 9:15
